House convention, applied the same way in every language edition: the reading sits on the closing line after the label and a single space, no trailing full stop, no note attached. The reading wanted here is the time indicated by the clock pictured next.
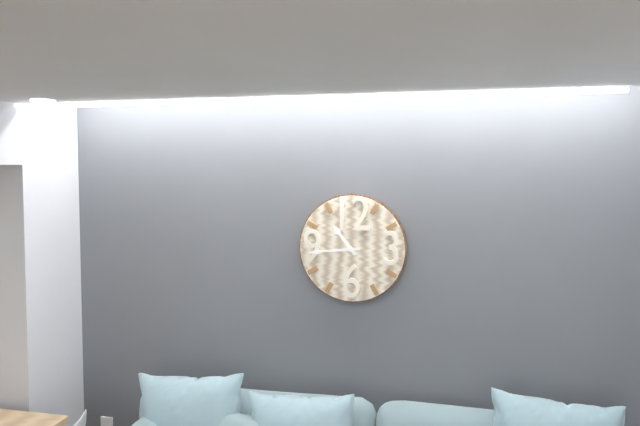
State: 10:44
